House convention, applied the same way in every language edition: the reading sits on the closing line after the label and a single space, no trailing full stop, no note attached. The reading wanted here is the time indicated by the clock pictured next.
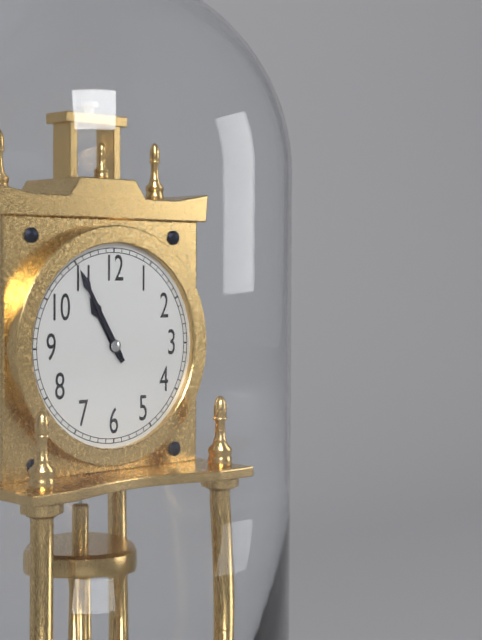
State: 10:55
